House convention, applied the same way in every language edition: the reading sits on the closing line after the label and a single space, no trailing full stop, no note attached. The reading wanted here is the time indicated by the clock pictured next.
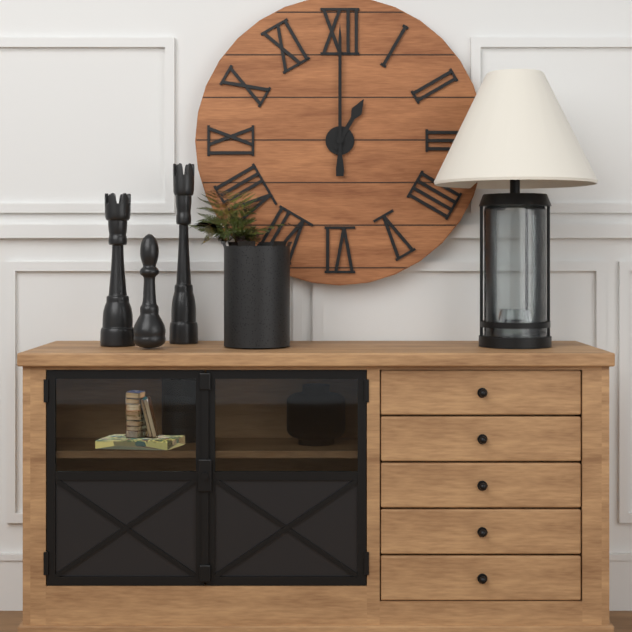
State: 1:00
